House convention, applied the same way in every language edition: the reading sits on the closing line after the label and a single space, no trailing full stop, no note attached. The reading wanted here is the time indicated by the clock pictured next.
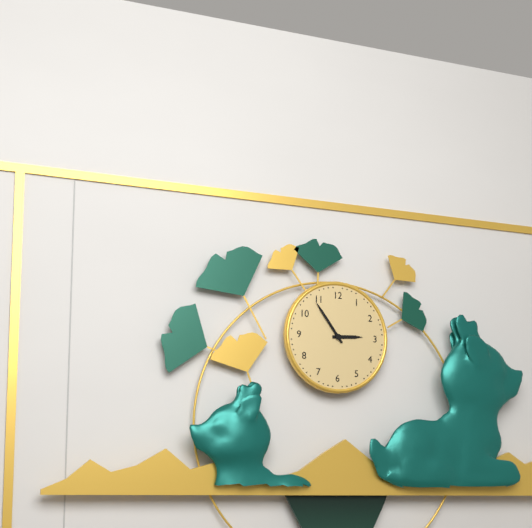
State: 2:54
